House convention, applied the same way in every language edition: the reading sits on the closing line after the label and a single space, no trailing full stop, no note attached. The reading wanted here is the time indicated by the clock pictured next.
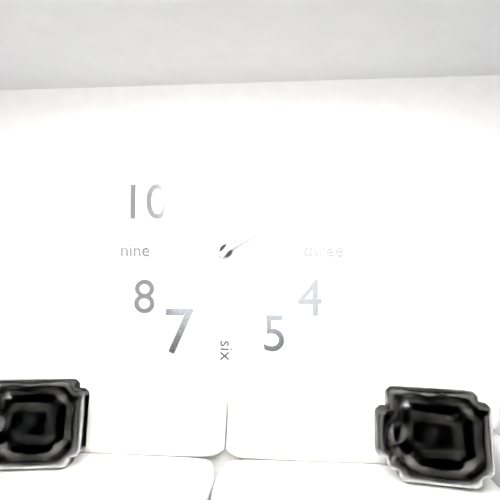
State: 1:10
